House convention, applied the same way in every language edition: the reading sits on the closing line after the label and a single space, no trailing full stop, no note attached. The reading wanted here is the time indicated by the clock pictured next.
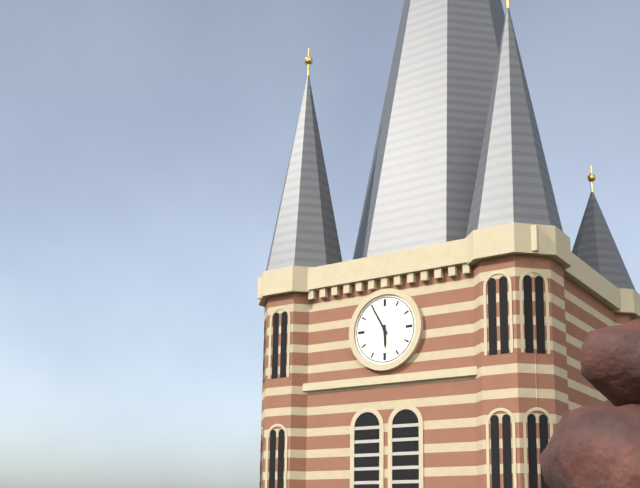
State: 5:55
